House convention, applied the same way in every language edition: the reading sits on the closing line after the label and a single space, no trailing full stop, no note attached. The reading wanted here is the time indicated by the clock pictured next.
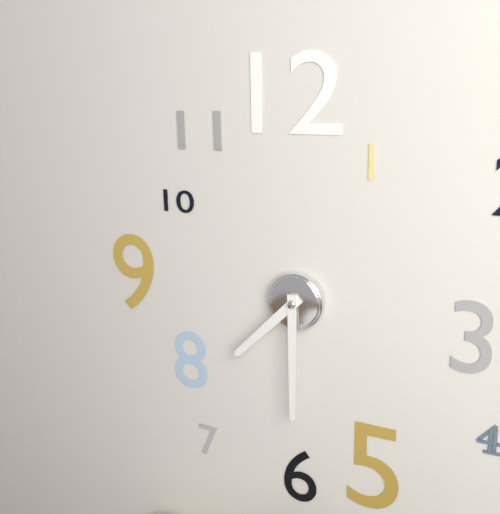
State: 7:30
